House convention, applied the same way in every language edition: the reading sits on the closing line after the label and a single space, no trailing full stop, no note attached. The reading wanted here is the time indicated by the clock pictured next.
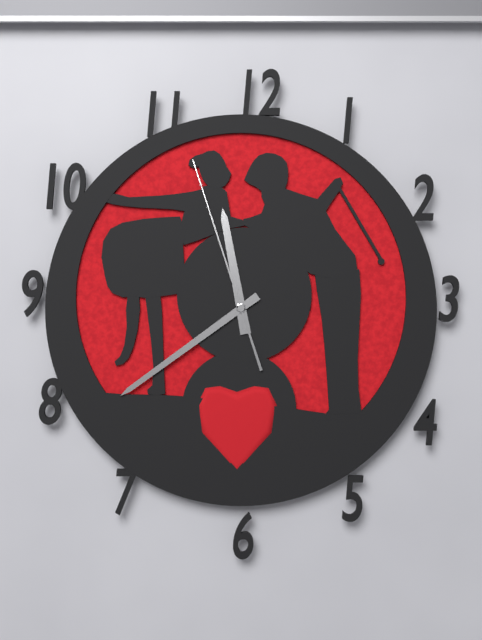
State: 11:39:57
